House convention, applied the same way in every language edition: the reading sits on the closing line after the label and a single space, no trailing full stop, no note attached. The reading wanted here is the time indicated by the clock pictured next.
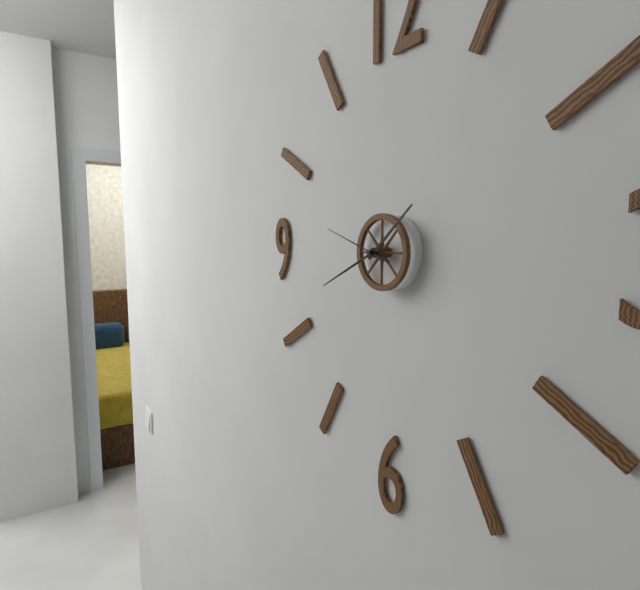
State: 1:41:48
